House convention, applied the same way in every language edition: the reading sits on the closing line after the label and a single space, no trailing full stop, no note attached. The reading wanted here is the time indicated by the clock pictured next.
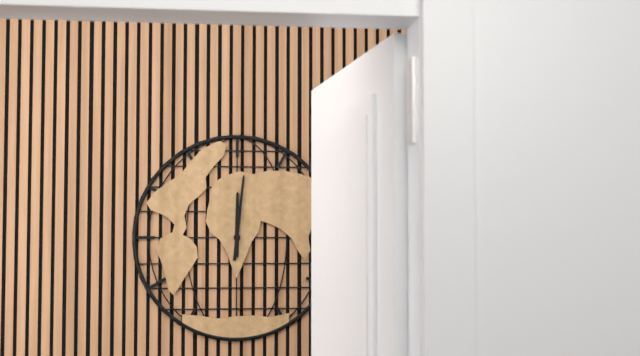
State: 12:01
